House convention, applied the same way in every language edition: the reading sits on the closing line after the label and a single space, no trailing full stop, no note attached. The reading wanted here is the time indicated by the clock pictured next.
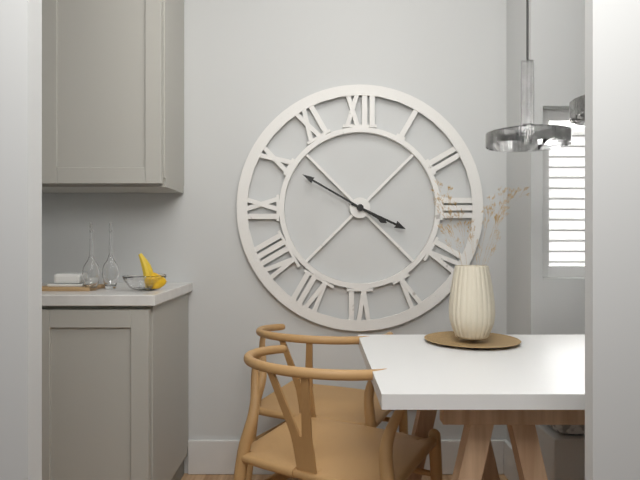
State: 3:50
